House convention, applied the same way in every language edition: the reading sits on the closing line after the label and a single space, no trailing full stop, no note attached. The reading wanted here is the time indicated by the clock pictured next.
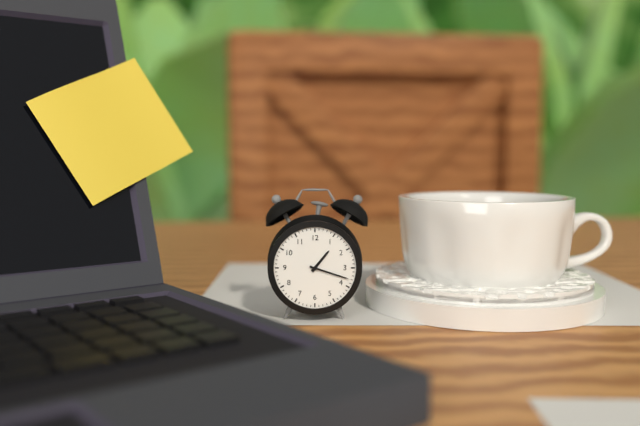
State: 1:18
